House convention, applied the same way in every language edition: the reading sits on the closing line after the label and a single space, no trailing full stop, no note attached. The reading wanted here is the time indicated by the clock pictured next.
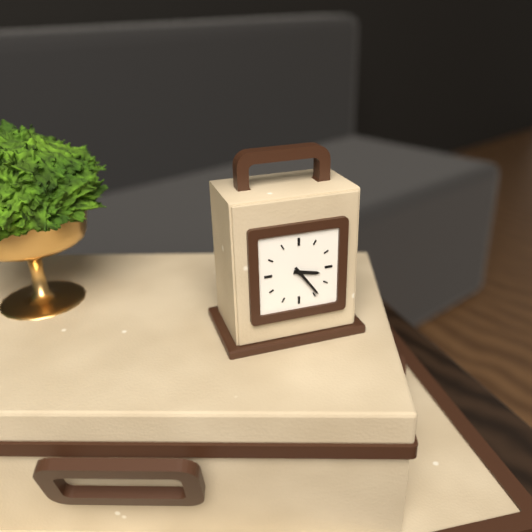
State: 3:24
